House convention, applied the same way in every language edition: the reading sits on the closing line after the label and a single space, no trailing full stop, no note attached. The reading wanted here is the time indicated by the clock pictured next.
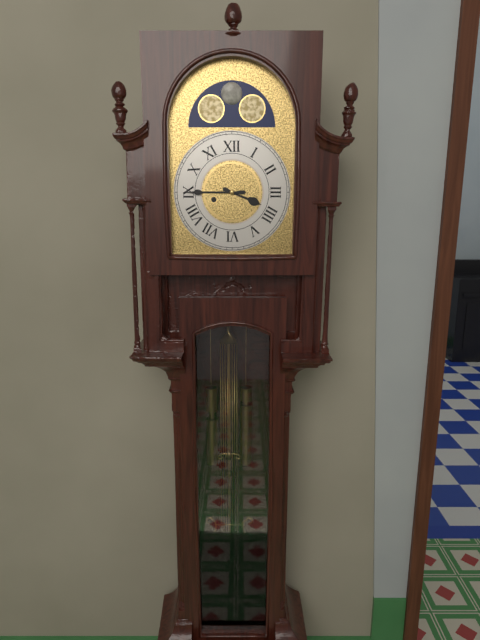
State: 3:45
